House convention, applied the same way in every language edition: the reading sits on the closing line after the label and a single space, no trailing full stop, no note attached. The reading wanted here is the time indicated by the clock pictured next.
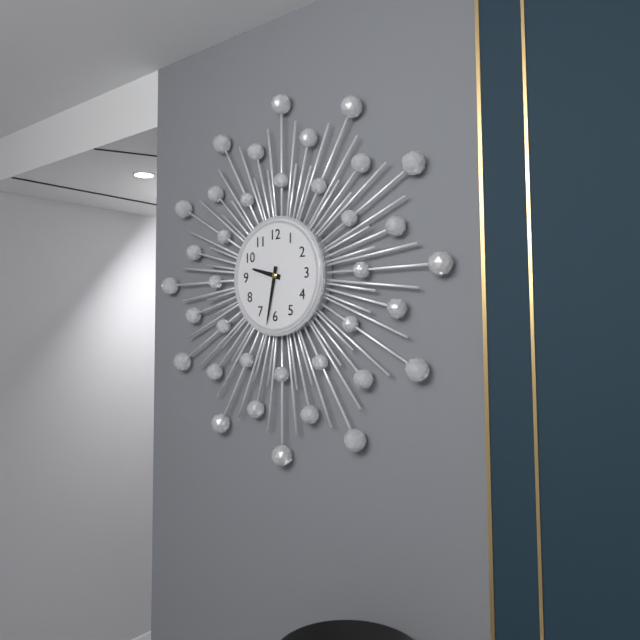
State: 9:32
